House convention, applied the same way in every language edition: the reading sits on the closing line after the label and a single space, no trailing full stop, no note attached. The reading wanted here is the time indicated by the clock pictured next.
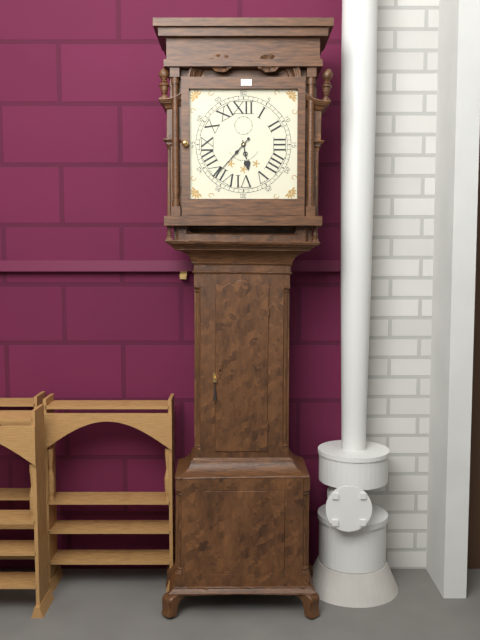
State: 5:37
